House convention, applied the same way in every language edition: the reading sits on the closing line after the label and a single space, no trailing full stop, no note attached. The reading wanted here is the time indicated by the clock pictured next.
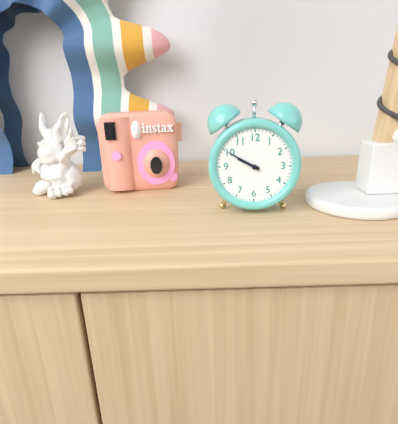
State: 9:50
